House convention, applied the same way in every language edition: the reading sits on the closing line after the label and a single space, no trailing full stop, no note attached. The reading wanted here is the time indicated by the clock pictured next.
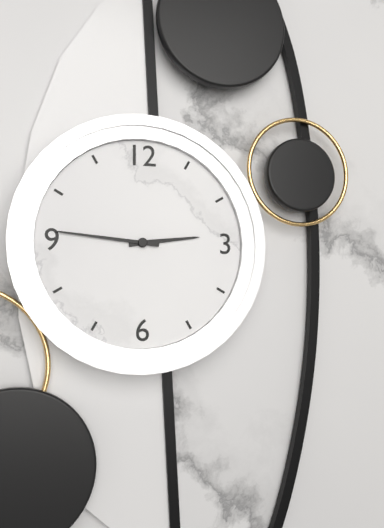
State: 2:46
